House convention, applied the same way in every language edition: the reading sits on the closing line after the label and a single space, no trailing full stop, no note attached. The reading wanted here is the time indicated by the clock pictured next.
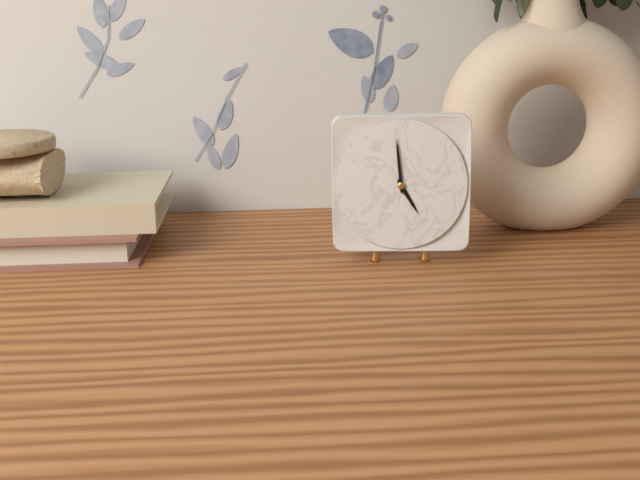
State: 4:59
